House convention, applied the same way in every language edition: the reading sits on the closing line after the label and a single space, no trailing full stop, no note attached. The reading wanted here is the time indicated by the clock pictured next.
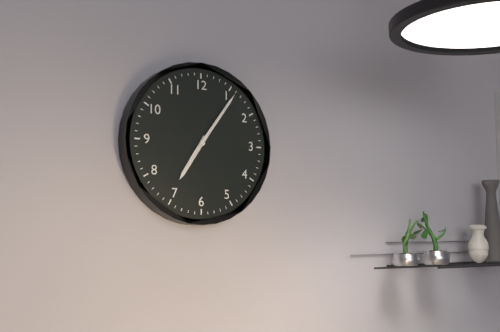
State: 7:06
